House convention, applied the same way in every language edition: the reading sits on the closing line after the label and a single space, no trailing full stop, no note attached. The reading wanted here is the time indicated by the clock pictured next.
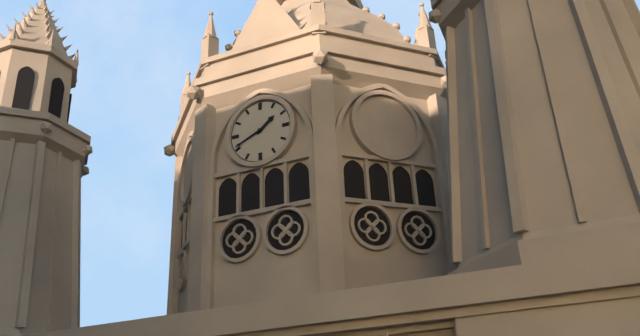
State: 1:41
